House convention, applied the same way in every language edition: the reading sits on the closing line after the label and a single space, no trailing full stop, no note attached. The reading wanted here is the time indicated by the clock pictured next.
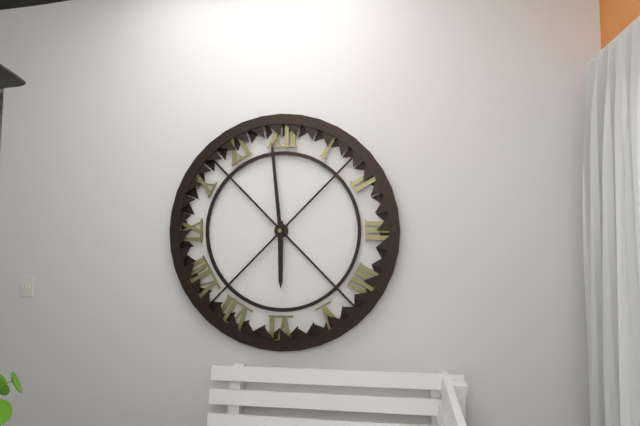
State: 5:59
